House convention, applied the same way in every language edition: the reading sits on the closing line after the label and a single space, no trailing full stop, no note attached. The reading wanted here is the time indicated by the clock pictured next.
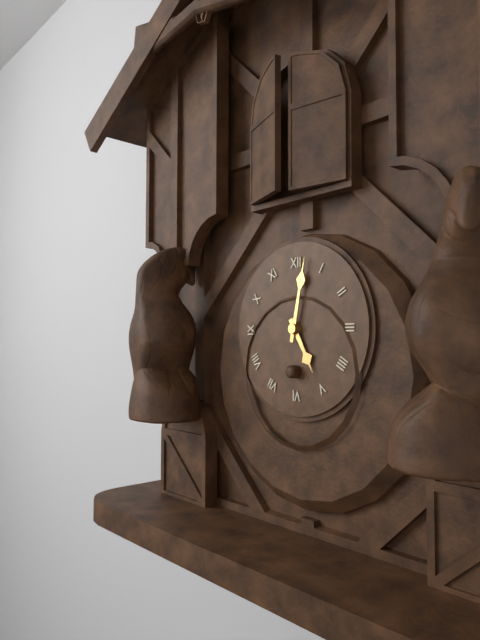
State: 5:02
